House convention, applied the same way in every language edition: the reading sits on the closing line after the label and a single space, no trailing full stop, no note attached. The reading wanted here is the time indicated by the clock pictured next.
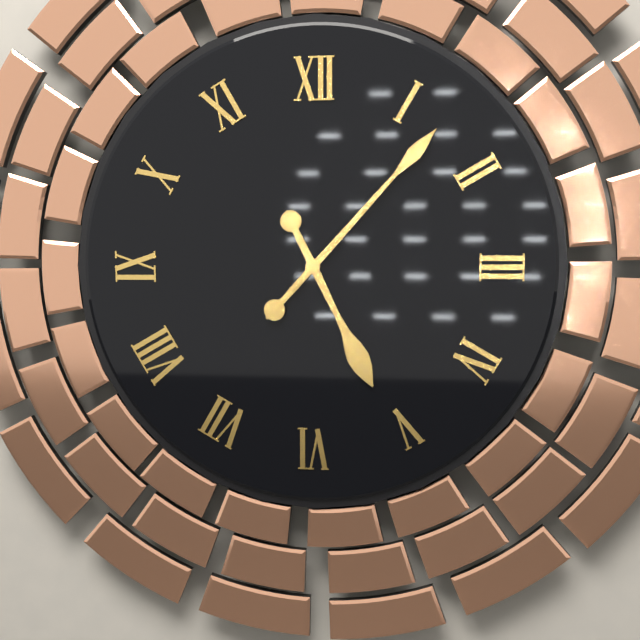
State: 5:07:07
